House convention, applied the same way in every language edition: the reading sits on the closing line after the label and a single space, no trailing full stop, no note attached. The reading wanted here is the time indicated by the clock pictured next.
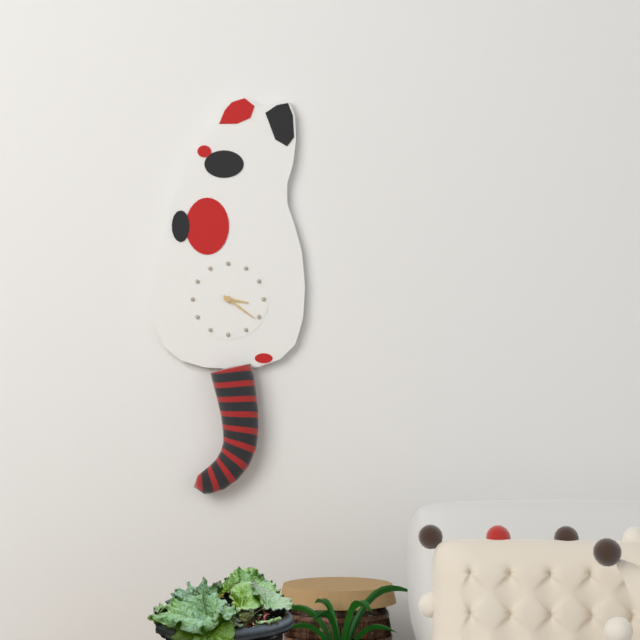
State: 3:21
